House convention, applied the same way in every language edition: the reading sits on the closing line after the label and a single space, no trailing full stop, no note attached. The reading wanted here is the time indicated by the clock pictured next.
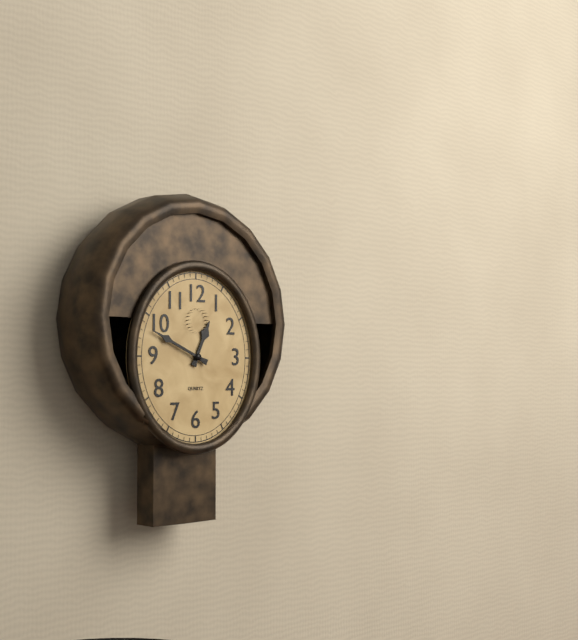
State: 12:49
